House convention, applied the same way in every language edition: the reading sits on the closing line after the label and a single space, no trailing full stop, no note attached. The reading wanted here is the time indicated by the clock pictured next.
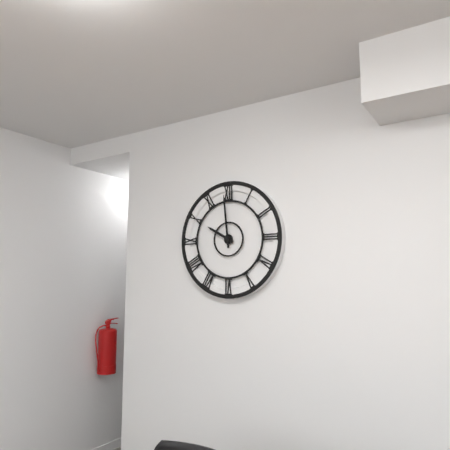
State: 9:59
